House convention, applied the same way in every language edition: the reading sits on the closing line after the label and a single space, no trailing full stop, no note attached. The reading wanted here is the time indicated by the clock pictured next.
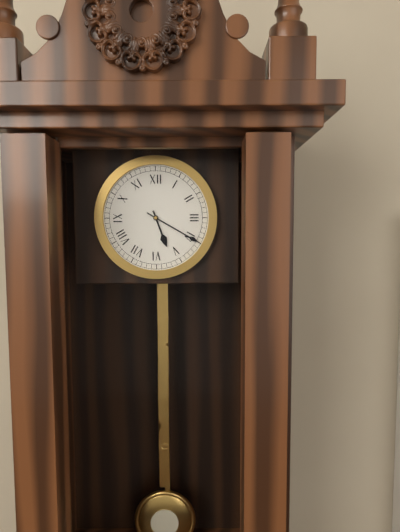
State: 5:20
